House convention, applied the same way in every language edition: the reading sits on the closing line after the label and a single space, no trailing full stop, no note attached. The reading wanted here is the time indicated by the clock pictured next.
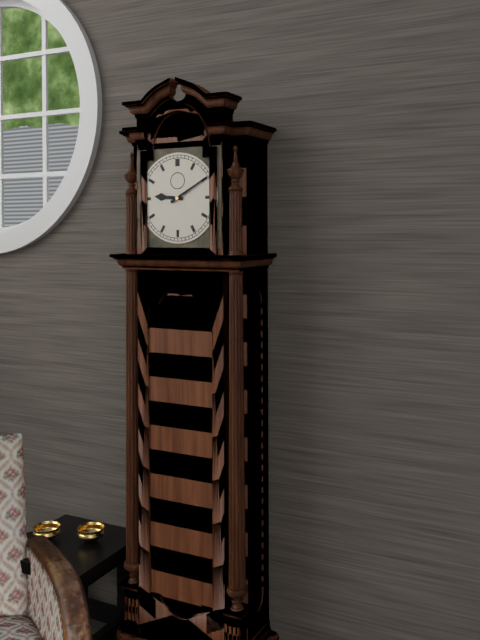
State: 9:10
